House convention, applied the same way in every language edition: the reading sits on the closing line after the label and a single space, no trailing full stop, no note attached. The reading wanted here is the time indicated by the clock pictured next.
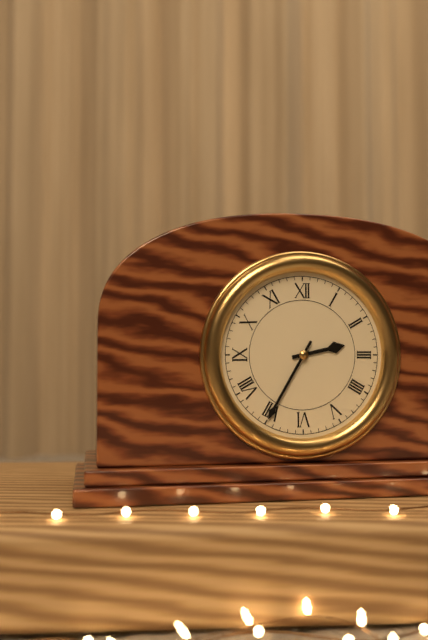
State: 2:35
